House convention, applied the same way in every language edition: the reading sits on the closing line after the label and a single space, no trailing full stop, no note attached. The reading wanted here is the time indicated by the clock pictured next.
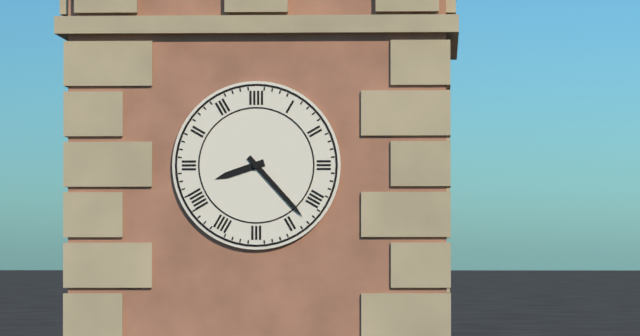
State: 8:23
